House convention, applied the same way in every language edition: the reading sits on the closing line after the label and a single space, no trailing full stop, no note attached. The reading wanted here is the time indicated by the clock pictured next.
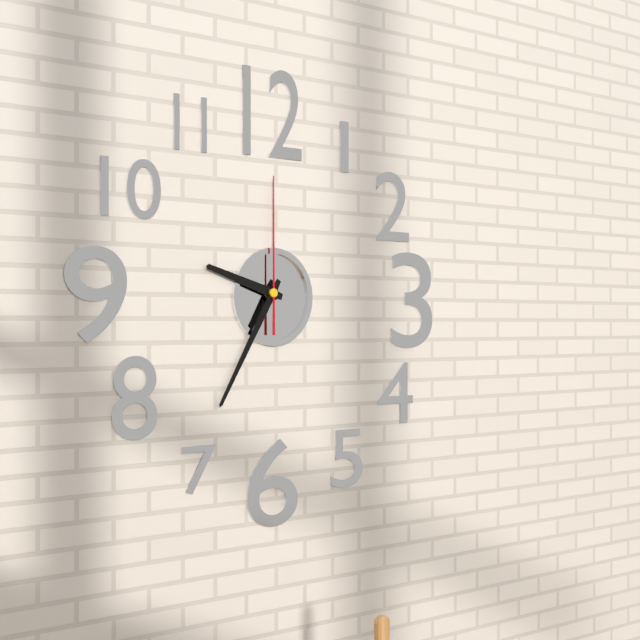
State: 9:35:00
